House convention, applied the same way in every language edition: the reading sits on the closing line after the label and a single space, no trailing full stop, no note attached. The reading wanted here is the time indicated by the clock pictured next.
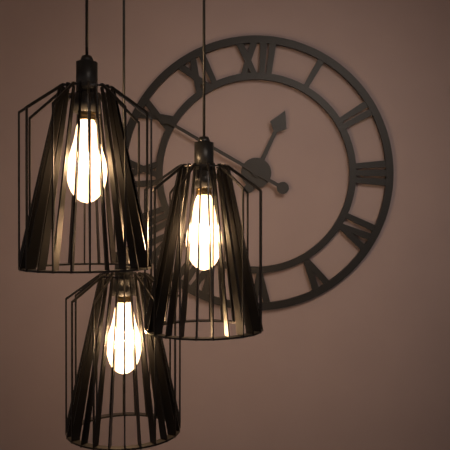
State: 12:50
